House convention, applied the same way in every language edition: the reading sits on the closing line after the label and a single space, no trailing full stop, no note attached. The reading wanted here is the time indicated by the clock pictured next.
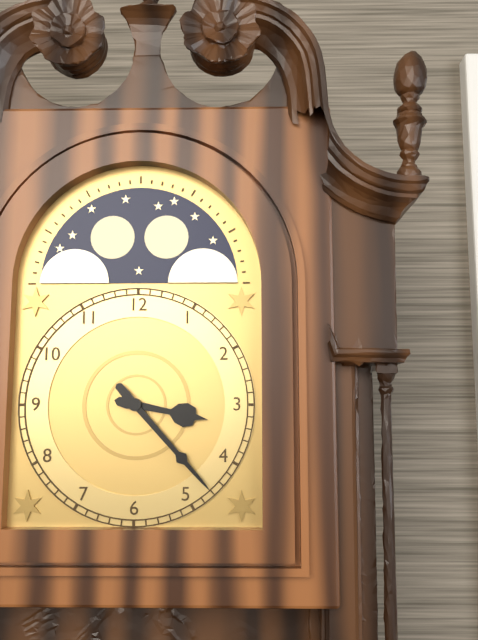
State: 3:23
